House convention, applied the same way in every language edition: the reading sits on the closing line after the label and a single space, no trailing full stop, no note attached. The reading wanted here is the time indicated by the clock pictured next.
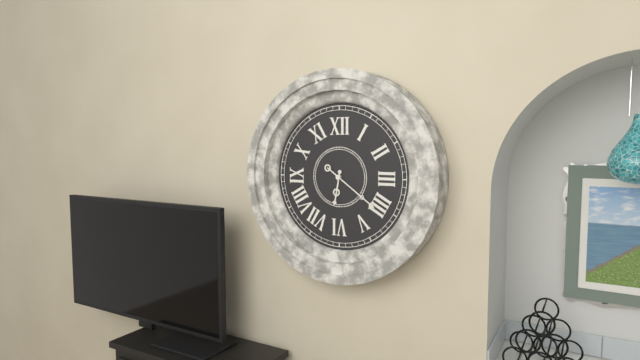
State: 6:21
